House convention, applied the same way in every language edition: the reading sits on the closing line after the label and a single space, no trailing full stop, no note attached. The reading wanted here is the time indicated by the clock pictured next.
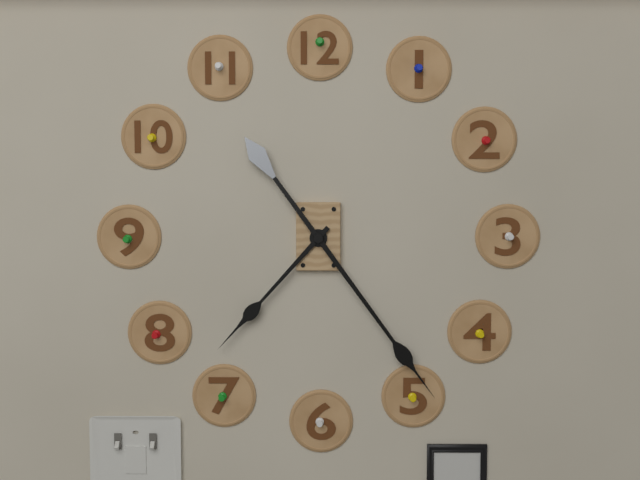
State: 7:24
